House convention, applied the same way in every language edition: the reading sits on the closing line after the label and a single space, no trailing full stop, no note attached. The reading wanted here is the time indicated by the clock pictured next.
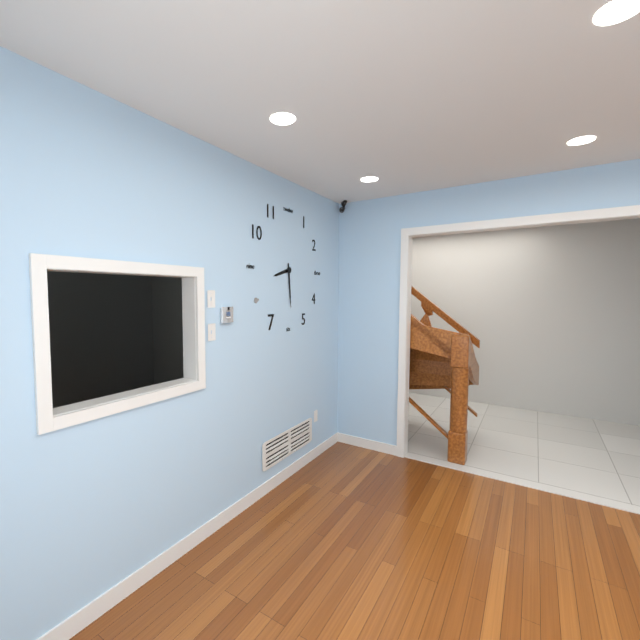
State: 8:29
